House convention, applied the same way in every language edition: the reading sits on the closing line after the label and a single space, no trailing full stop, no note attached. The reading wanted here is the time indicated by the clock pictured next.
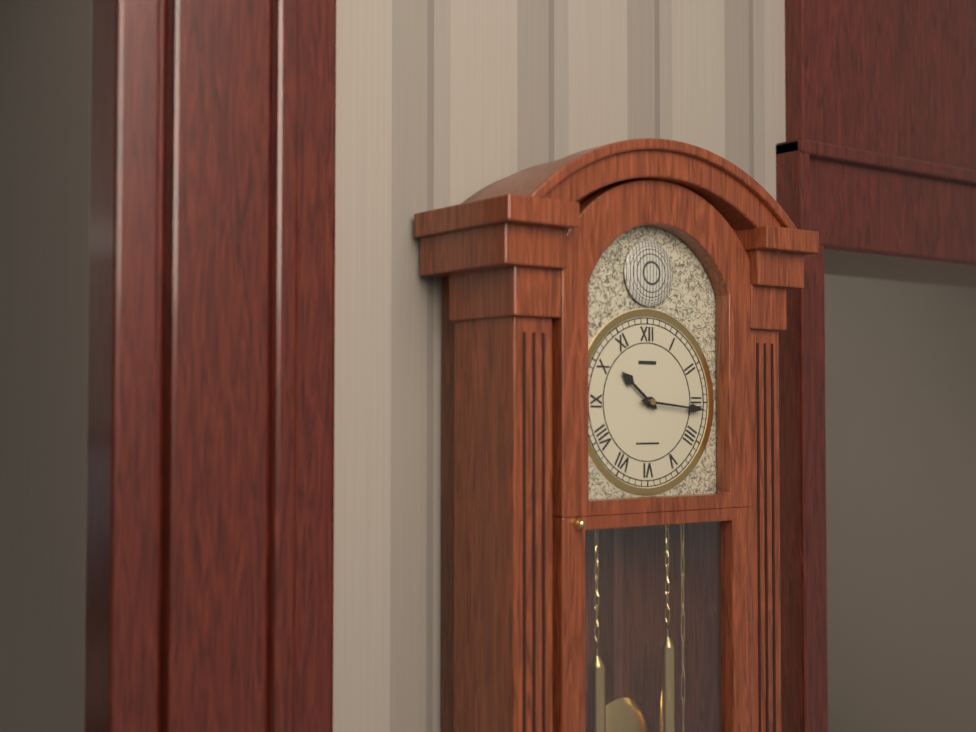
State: 10:16
